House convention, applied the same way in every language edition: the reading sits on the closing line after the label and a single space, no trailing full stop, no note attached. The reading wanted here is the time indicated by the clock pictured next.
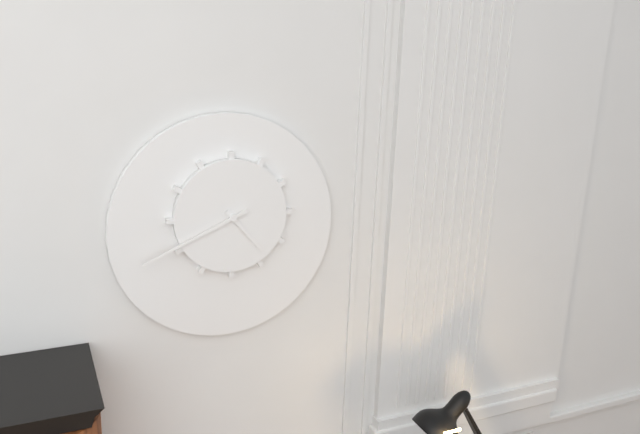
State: 4:41
